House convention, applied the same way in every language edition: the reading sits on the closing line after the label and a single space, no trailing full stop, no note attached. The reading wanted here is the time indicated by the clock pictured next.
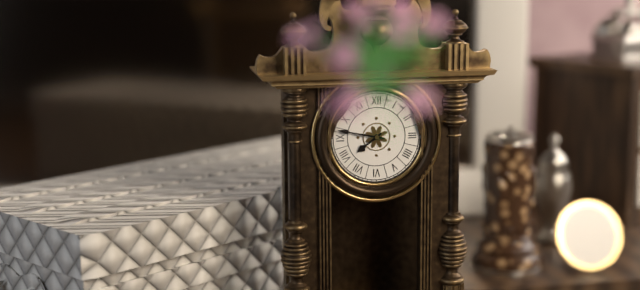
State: 7:47
